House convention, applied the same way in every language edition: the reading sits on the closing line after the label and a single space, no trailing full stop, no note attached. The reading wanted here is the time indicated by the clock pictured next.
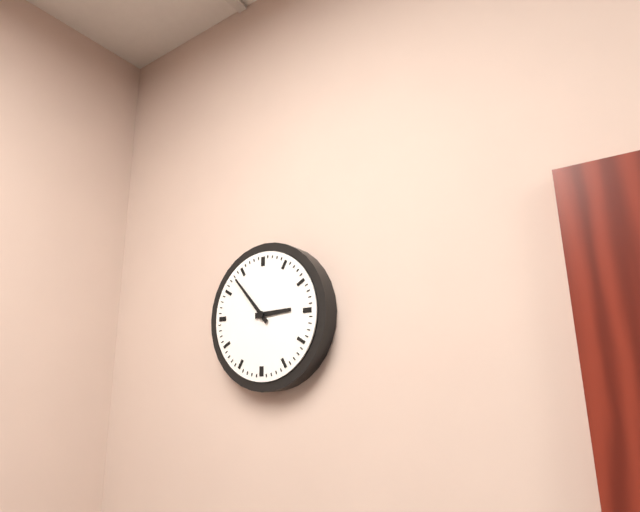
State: 2:53
